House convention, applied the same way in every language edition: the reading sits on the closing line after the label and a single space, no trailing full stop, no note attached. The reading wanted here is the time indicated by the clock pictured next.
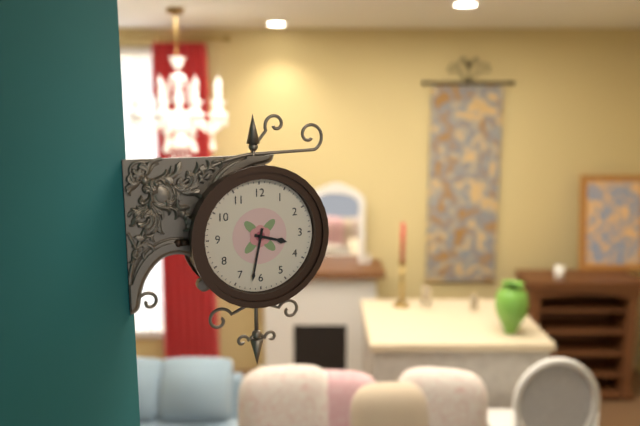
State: 3:32
